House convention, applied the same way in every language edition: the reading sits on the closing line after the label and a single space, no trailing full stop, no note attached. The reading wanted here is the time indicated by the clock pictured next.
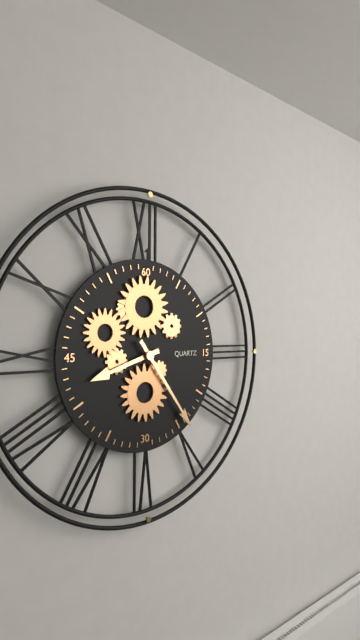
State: 8:24
